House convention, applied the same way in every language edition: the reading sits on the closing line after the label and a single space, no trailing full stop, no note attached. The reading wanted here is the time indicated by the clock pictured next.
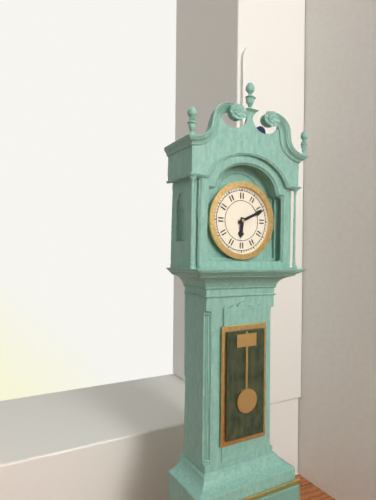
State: 6:11
